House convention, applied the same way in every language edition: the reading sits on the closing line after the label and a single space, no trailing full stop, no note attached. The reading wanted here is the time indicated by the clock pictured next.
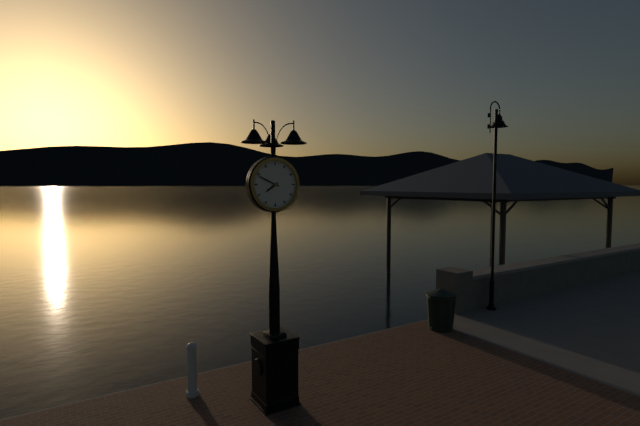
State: 7:49
